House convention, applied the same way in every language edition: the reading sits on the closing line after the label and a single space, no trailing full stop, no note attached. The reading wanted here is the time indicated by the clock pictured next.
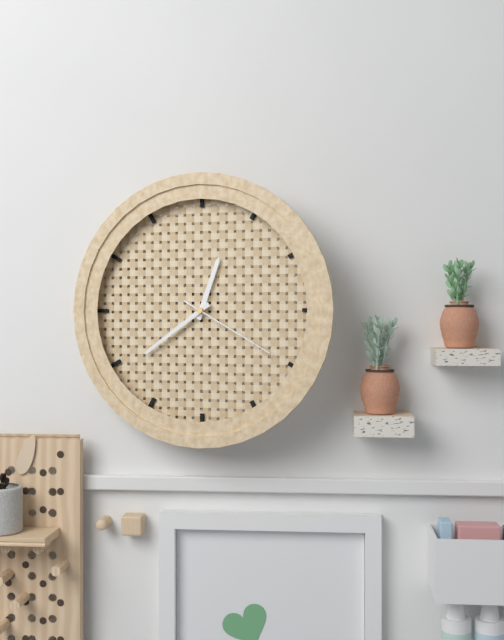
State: 12:39:20
